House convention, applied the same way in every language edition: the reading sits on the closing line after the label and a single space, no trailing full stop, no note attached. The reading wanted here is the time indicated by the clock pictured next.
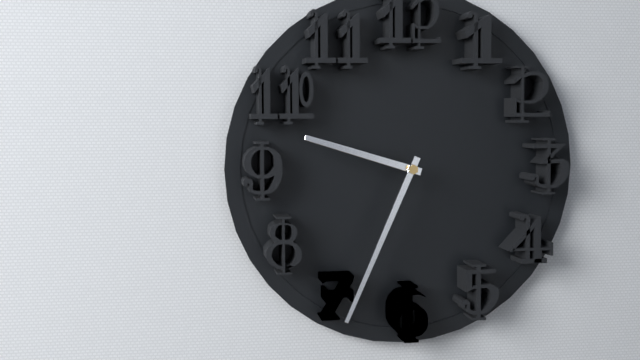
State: 9:34
